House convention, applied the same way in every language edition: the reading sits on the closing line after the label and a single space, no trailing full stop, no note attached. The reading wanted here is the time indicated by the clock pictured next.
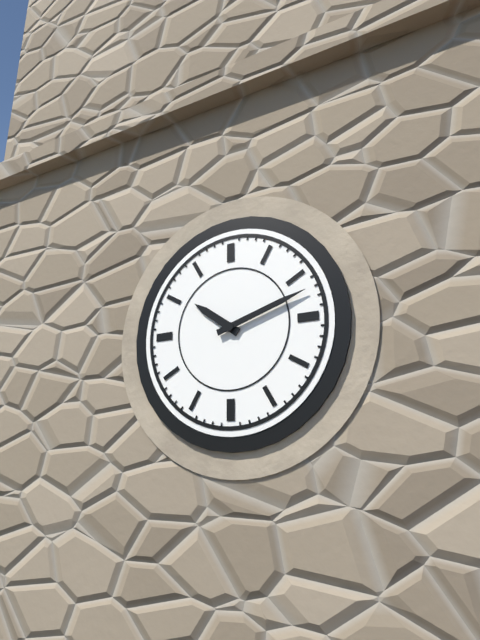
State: 10:12
